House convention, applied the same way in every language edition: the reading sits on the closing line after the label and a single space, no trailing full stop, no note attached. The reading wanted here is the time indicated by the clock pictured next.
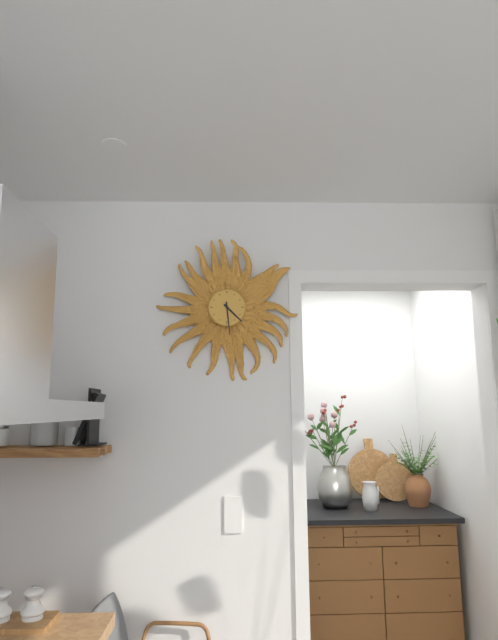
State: 4:29
